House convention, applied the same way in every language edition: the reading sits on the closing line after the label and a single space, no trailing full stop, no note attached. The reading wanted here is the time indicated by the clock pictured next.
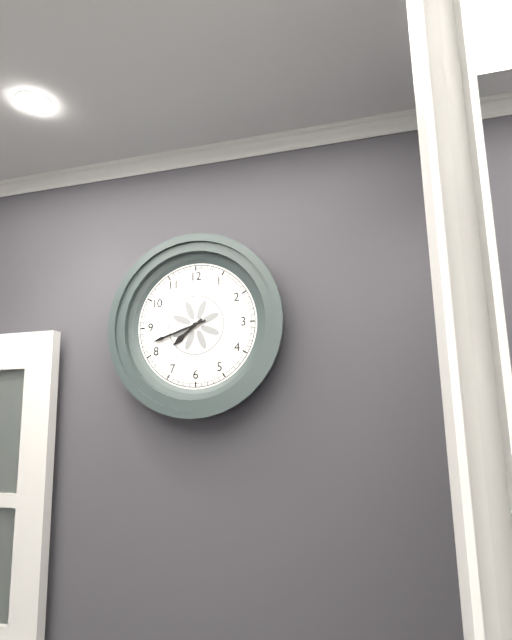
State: 7:42
